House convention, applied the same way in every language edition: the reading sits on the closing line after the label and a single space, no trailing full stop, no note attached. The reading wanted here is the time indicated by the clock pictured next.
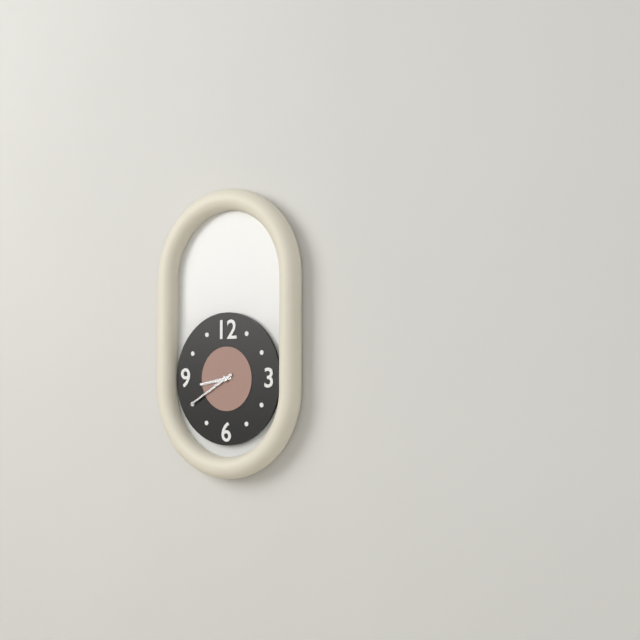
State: 8:40
